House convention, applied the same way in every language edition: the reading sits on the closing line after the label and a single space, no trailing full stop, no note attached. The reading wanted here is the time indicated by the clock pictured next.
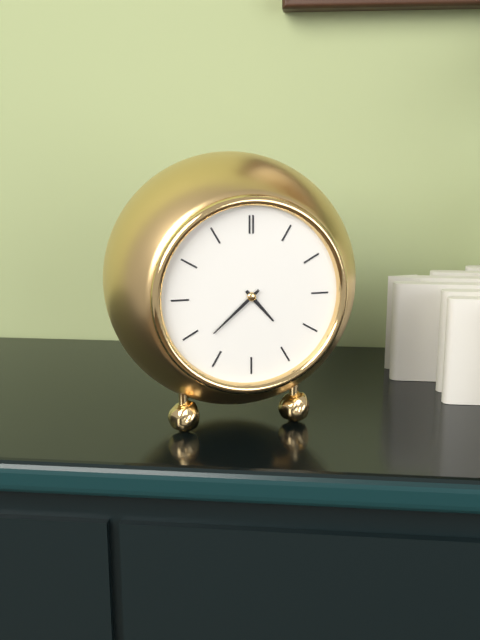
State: 4:38
